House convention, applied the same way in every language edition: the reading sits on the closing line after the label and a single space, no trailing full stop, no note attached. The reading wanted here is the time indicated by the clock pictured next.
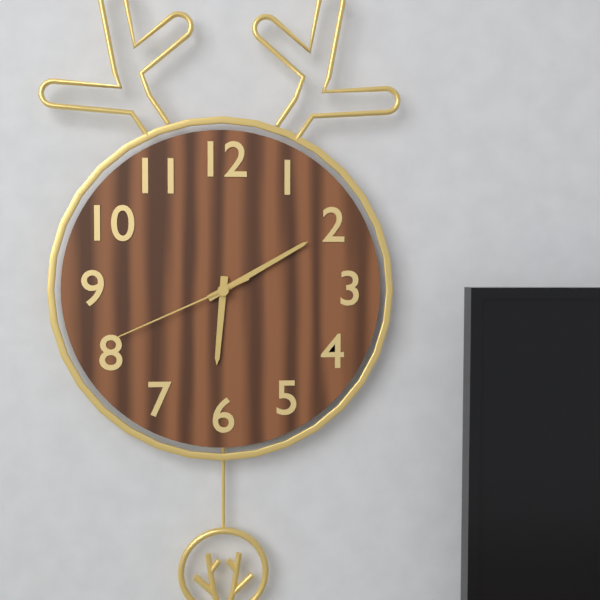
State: 6:10:41
